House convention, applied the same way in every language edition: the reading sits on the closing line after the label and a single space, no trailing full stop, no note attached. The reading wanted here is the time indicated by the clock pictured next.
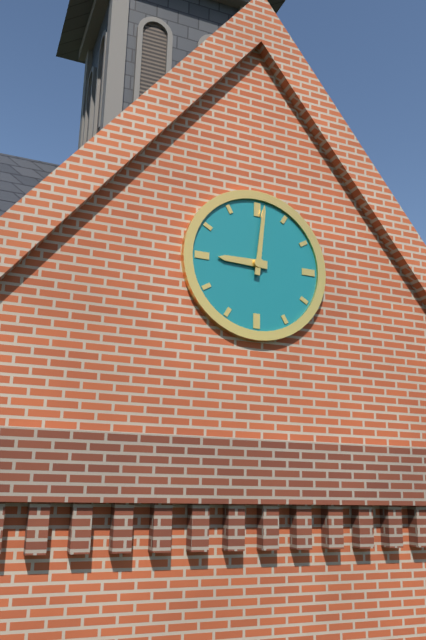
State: 9:01
